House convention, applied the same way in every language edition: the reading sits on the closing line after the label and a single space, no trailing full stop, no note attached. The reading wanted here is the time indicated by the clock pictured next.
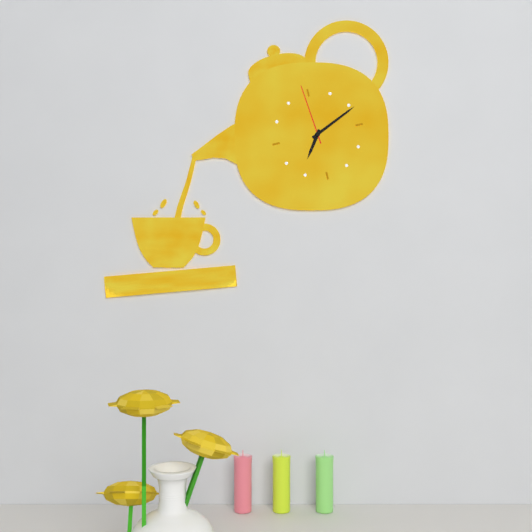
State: 7:11:59
